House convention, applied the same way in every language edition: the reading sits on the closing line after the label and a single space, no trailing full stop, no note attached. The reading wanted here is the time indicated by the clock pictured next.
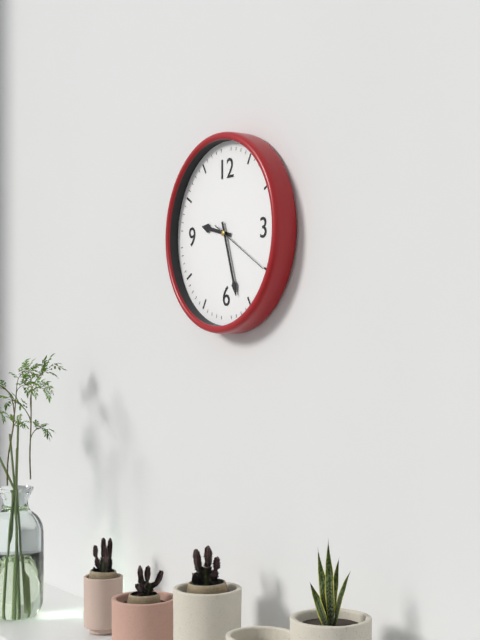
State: 9:27:20
